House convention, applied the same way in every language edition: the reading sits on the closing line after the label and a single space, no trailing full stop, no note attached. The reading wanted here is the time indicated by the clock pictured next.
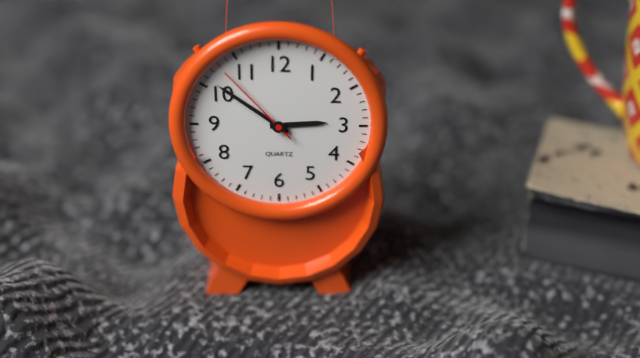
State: 2:51:53
